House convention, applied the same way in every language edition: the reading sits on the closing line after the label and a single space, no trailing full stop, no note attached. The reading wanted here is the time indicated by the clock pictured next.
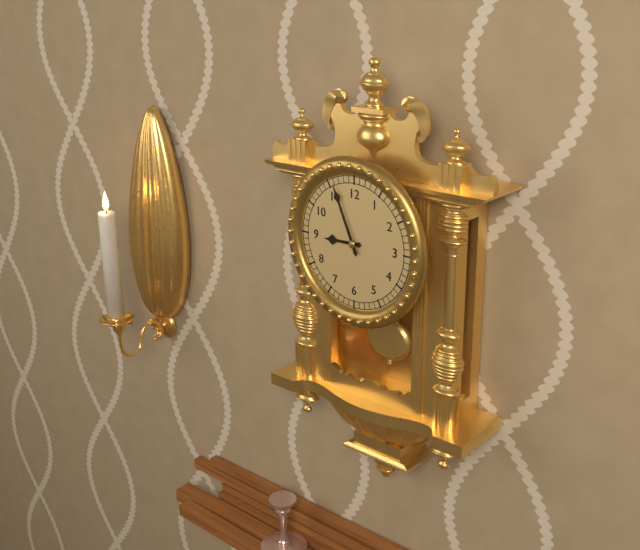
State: 8:56
